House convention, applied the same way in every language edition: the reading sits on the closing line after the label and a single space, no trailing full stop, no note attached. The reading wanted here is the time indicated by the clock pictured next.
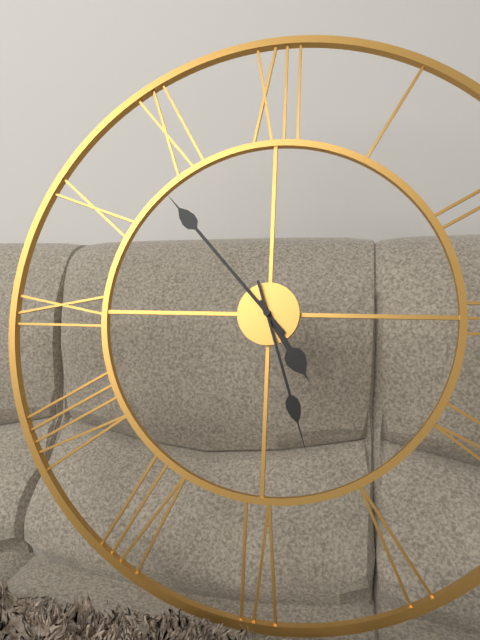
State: 4:53:27
